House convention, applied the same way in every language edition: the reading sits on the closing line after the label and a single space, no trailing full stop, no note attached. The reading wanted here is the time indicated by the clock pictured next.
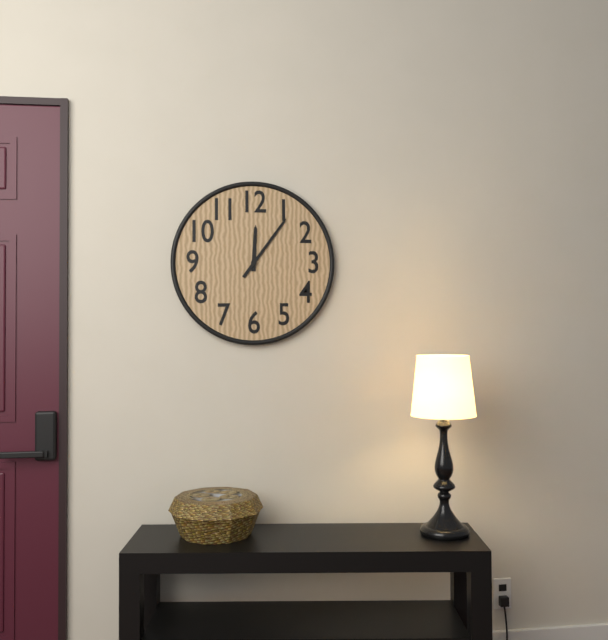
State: 12:06
